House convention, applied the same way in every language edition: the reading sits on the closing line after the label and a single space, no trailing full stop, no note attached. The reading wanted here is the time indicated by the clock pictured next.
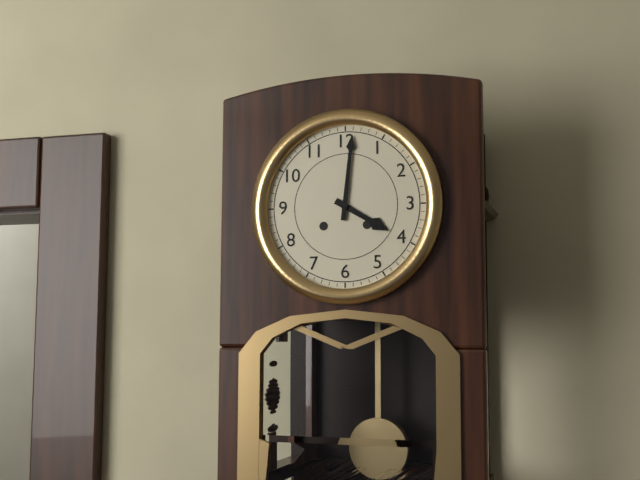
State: 4:01
